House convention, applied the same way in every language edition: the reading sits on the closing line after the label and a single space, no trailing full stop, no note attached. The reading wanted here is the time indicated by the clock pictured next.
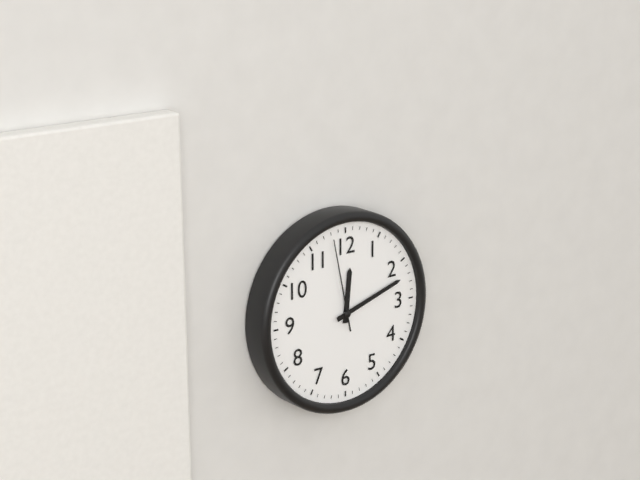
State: 12:12:58
